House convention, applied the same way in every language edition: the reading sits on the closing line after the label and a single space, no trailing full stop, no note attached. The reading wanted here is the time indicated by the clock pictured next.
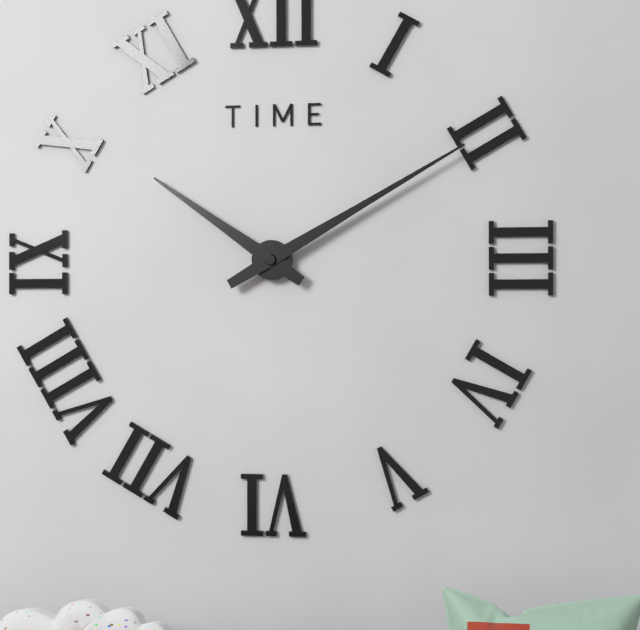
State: 10:10
